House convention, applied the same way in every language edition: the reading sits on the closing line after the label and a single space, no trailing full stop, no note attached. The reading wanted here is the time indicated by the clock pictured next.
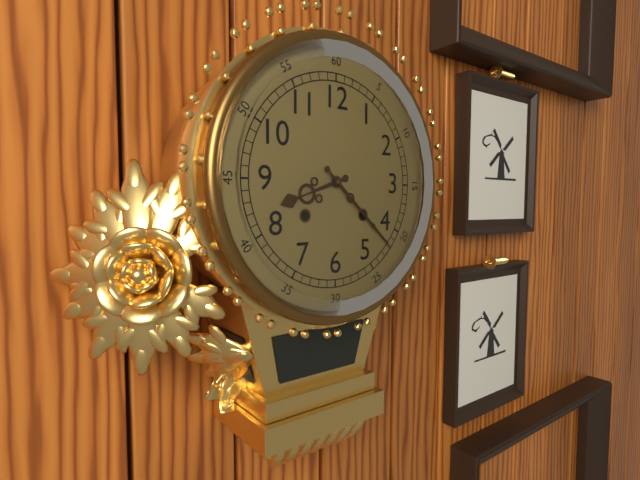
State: 8:22
